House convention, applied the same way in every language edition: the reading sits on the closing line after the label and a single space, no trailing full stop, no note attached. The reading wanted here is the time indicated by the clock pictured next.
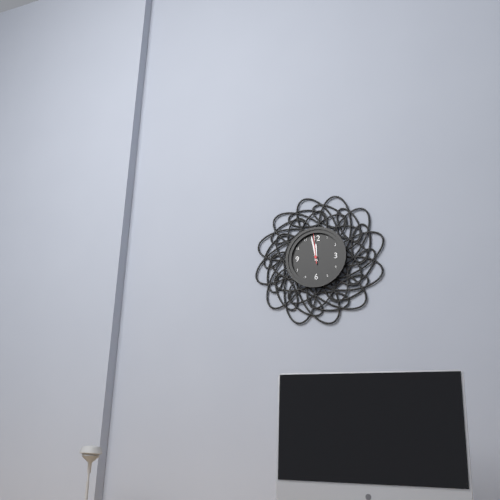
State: 11:58
